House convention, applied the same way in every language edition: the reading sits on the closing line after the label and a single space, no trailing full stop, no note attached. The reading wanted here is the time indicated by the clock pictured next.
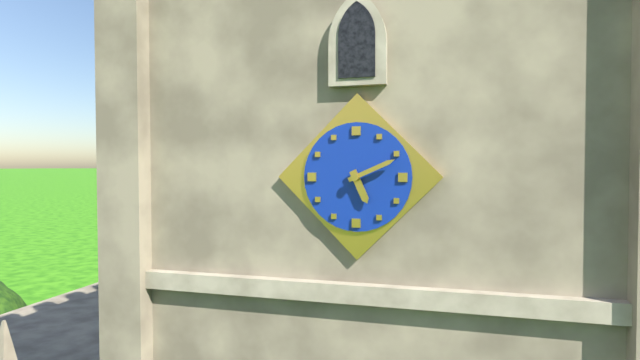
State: 5:11
